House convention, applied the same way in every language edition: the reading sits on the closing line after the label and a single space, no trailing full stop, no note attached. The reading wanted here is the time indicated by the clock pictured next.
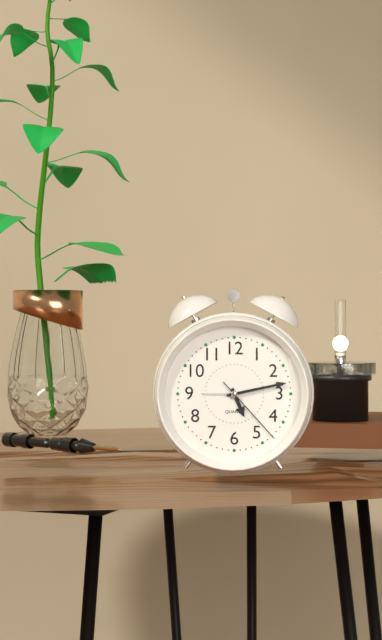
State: 5:13:23
